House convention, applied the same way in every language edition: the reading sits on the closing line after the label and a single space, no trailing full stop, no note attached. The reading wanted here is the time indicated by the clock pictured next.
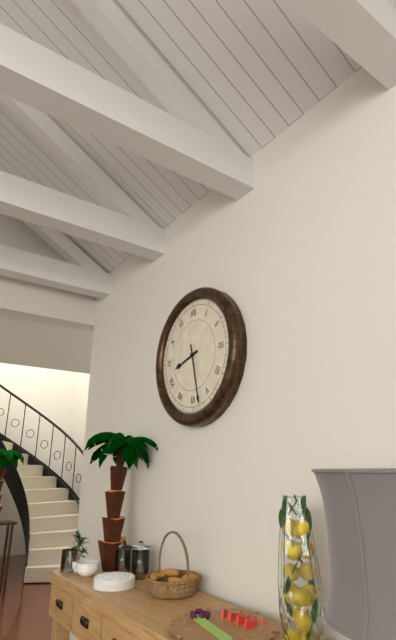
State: 8:28
